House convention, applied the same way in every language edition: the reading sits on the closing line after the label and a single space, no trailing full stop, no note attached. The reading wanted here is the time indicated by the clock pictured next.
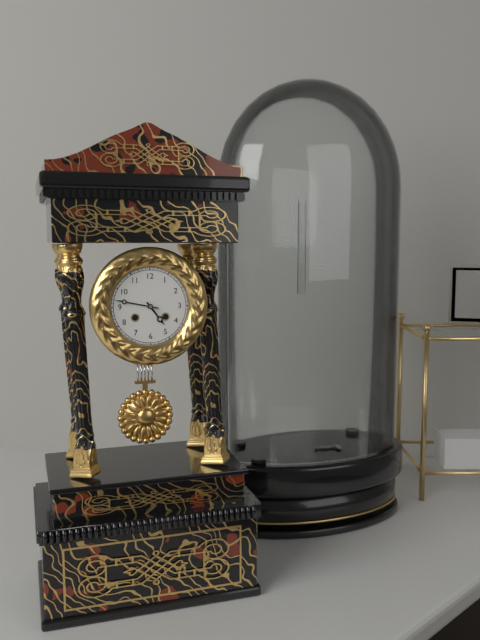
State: 4:47
